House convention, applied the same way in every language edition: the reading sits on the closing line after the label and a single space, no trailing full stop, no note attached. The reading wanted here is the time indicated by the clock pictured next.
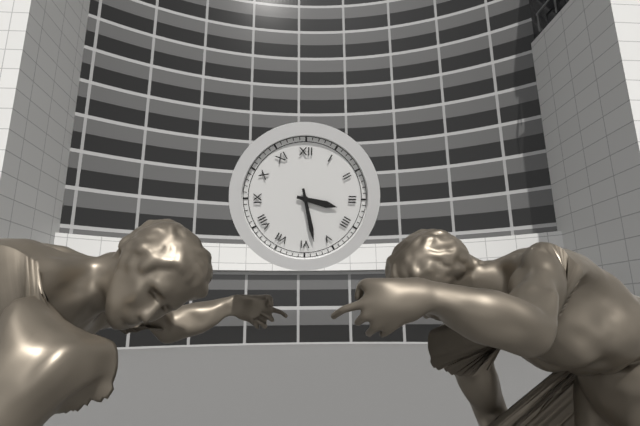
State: 3:28
